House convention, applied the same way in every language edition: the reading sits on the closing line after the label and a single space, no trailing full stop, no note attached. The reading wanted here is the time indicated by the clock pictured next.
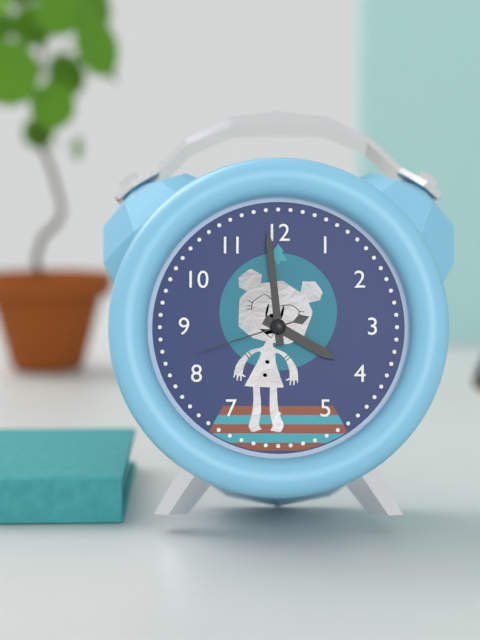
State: 3:59:42
